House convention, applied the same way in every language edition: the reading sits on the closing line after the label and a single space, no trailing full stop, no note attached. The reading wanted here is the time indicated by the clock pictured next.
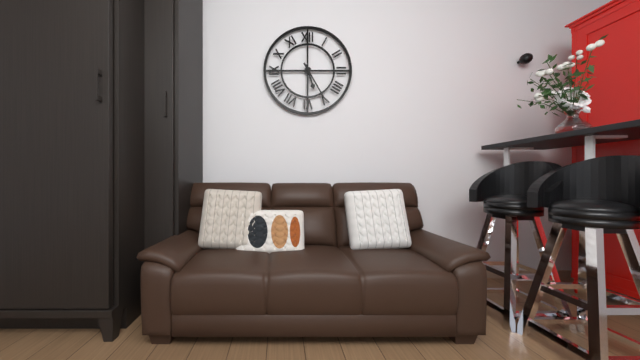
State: 5:25
